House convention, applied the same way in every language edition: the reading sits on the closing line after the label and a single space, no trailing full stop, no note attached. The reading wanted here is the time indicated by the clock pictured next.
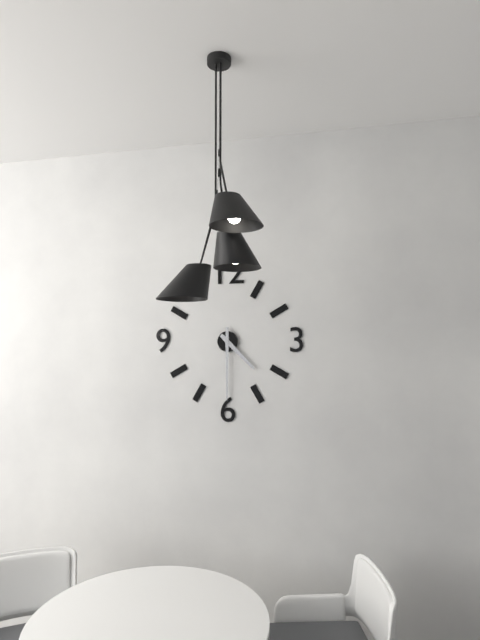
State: 4:30
